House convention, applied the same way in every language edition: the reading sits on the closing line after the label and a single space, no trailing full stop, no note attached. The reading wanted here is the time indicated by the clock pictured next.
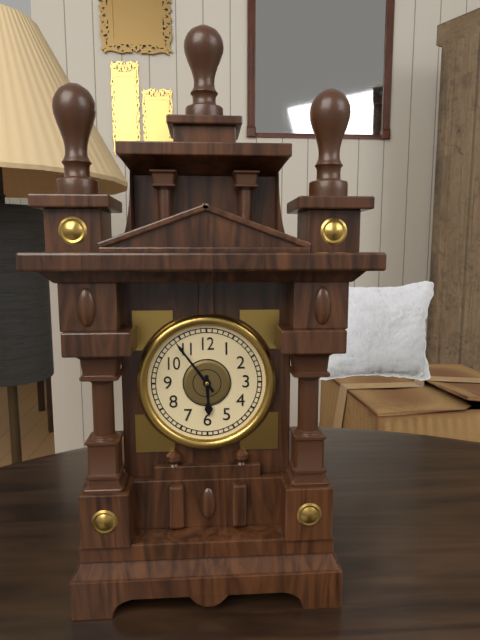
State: 5:54
